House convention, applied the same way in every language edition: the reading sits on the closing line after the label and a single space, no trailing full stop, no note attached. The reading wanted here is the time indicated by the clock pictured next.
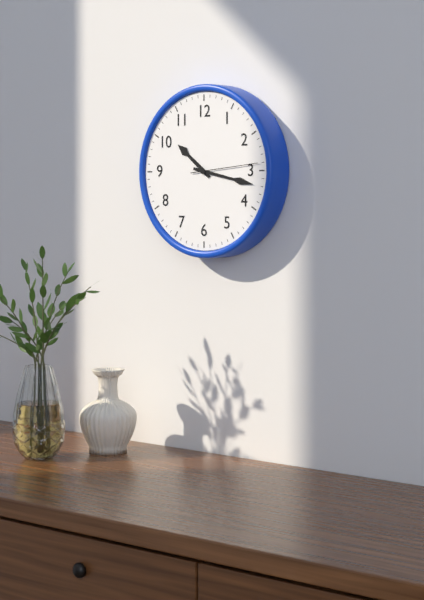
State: 10:17:14
